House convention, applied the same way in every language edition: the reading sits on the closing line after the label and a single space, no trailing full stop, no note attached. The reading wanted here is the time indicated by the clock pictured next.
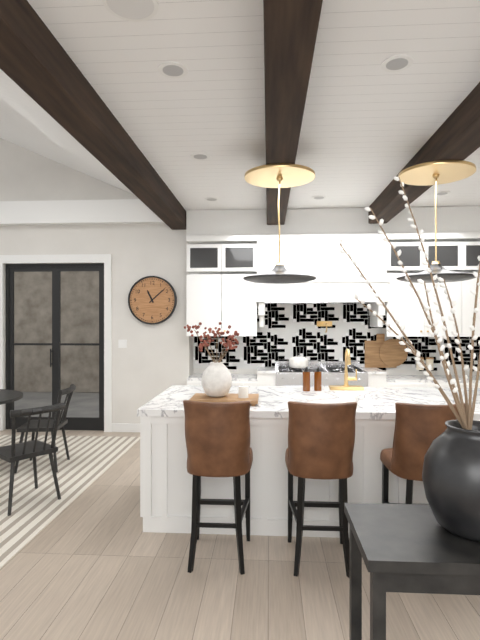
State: 11:08
